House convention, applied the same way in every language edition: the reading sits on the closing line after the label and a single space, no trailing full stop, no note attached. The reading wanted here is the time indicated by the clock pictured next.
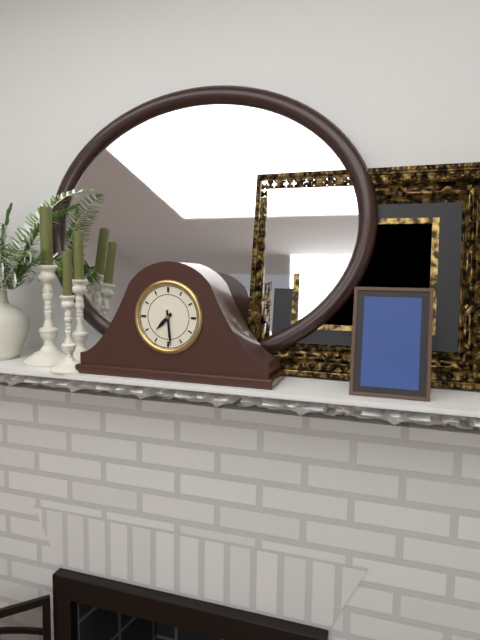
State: 7:29
